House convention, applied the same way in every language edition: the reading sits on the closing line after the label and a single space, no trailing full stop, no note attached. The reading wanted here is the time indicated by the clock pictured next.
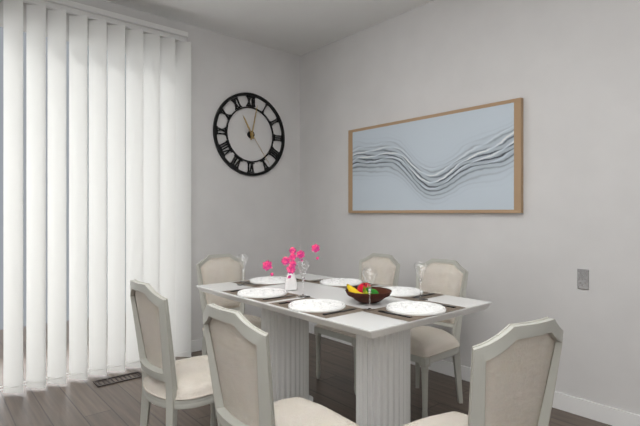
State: 11:02
